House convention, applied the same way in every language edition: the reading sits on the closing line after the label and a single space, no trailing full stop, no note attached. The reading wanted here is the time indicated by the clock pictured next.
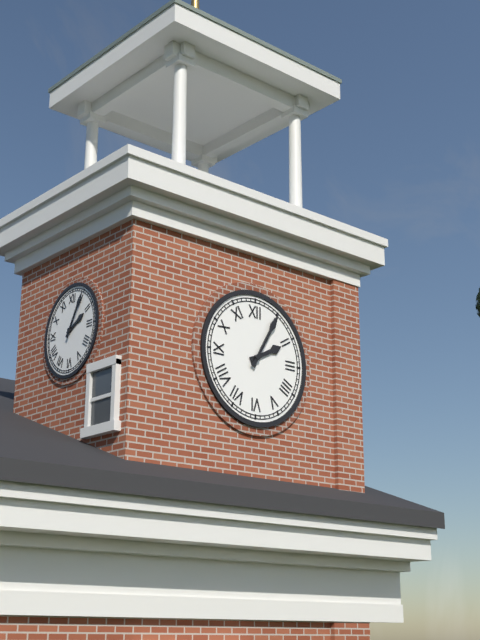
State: 2:05
